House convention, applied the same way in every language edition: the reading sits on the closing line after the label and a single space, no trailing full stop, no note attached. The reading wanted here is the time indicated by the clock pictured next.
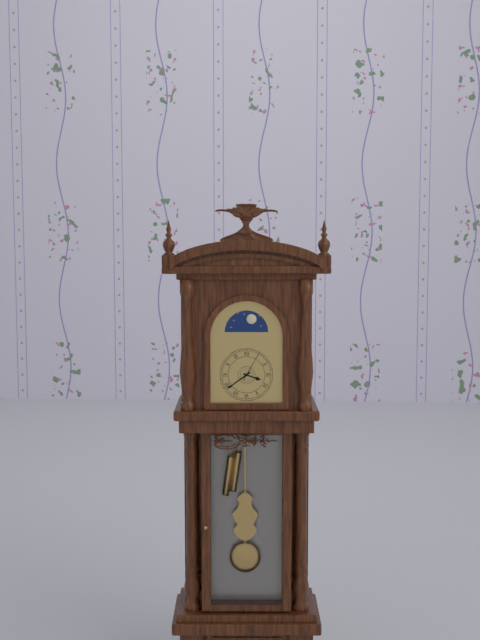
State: 3:39
